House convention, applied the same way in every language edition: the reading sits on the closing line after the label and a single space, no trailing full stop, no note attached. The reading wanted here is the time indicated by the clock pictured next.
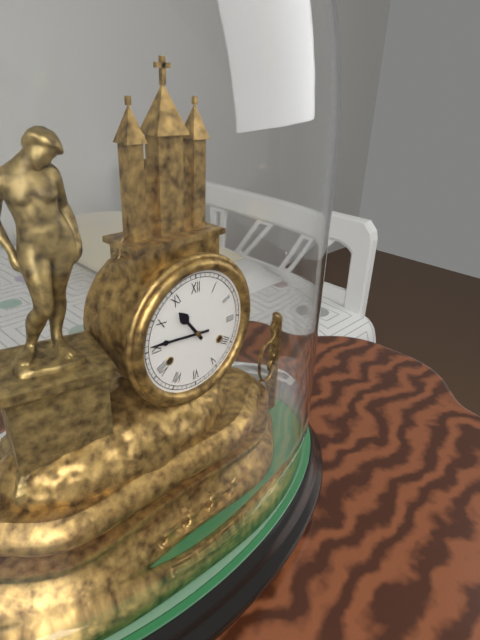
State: 10:46
